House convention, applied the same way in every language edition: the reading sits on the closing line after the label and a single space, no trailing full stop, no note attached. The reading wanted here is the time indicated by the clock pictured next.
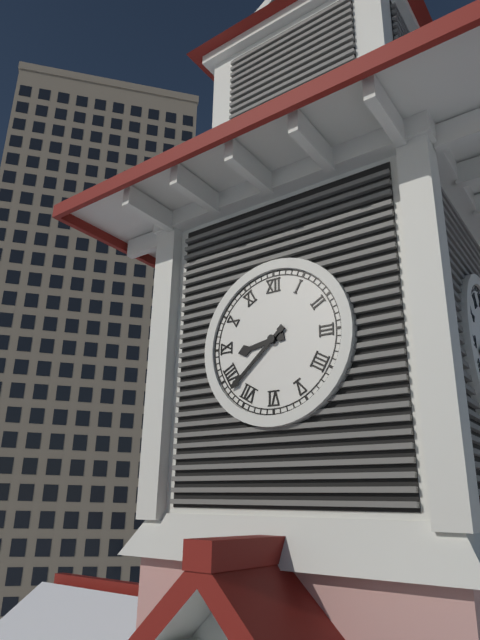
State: 8:38
